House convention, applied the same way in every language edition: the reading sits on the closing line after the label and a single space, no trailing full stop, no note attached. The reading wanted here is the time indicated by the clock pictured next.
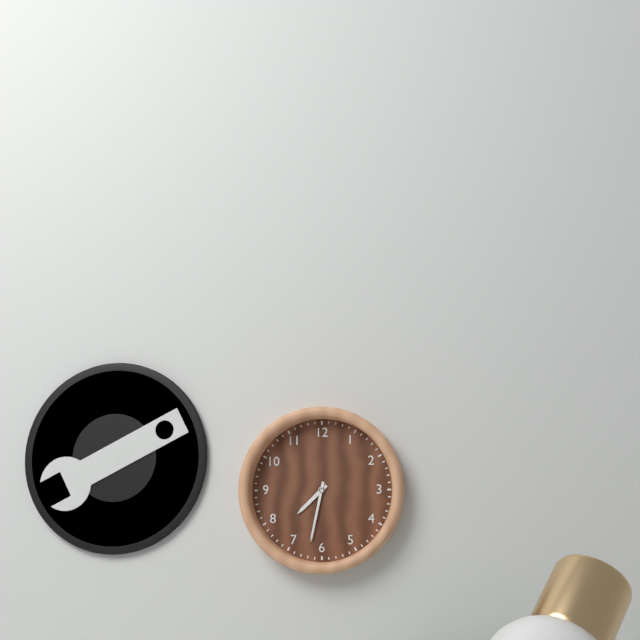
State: 7:32
